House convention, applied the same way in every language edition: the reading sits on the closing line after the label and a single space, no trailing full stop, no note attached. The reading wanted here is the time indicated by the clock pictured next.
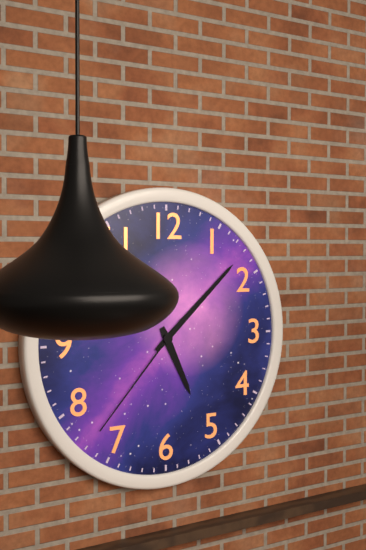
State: 5:08:37
